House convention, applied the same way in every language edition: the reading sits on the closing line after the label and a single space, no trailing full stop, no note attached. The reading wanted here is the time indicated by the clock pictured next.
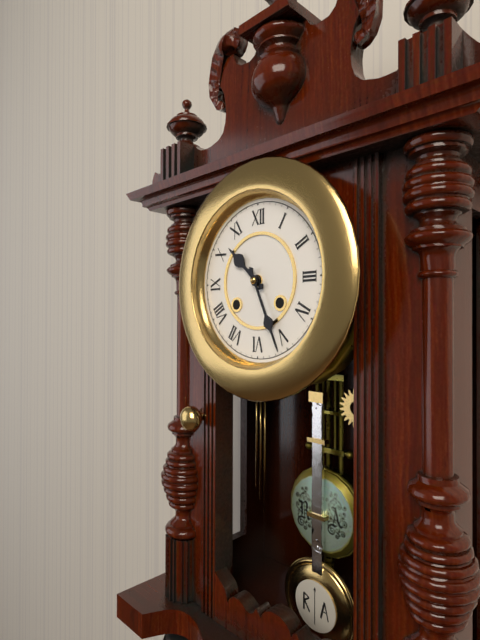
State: 10:26
